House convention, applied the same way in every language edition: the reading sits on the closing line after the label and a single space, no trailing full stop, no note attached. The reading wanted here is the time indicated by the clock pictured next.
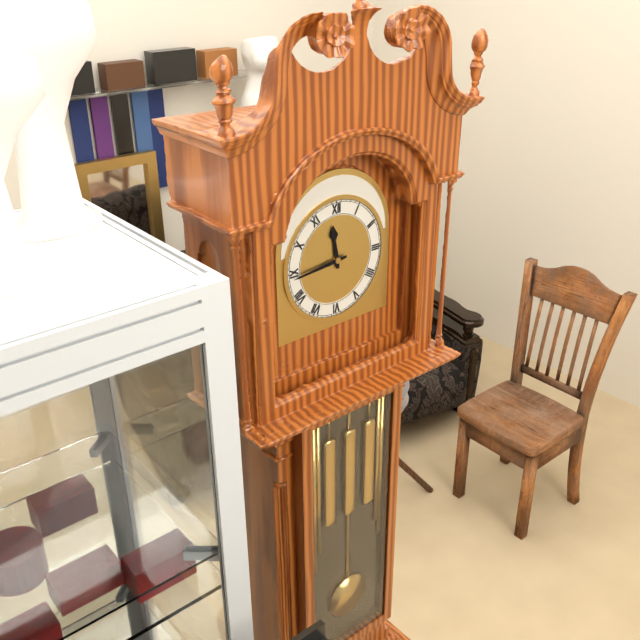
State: 11:44
